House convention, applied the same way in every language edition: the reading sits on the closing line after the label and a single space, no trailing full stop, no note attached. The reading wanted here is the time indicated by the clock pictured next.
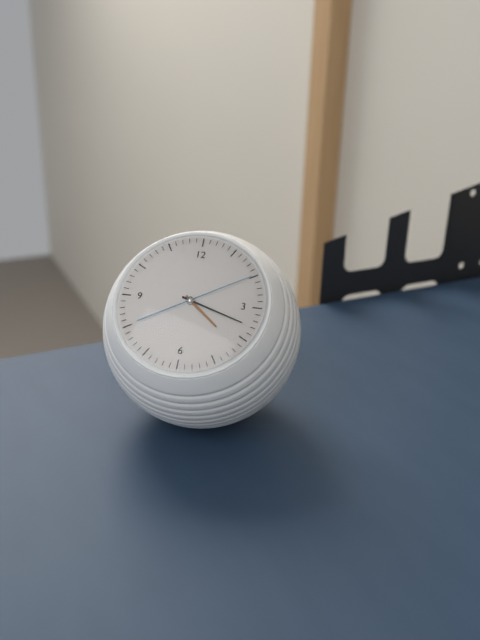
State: 4:18:10
